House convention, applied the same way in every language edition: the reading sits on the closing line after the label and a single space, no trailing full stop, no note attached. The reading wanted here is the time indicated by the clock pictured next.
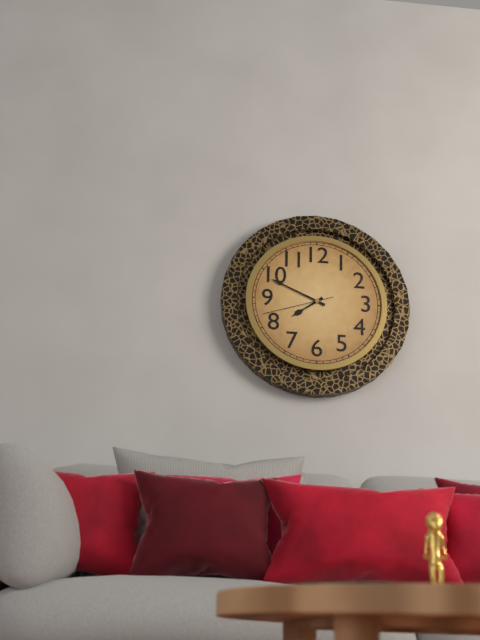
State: 7:49:42
